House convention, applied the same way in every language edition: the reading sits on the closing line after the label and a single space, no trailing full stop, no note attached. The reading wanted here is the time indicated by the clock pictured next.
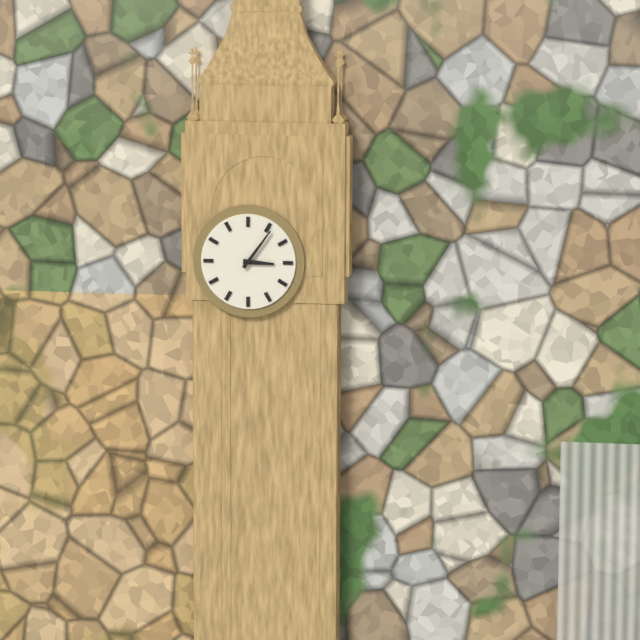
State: 3:06
